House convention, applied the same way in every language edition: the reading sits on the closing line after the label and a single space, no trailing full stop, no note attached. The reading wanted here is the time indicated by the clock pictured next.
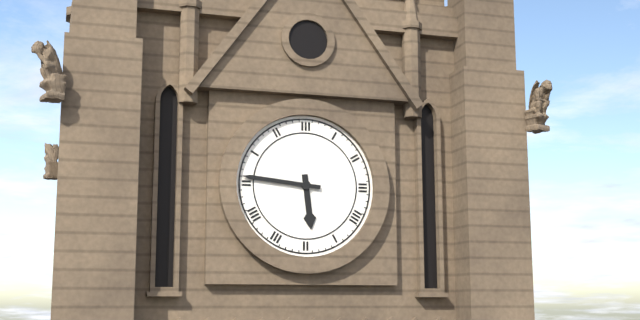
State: 5:46
